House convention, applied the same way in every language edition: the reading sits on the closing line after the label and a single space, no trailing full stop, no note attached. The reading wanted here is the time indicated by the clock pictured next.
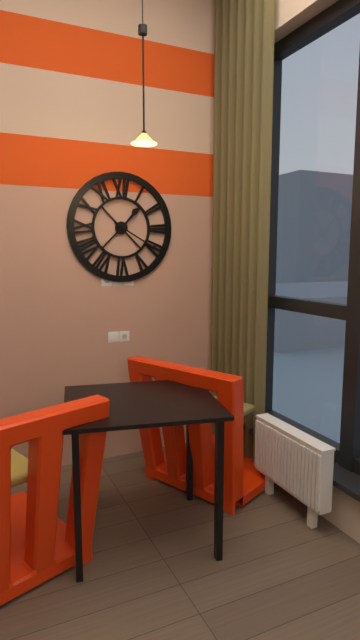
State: 1:20
